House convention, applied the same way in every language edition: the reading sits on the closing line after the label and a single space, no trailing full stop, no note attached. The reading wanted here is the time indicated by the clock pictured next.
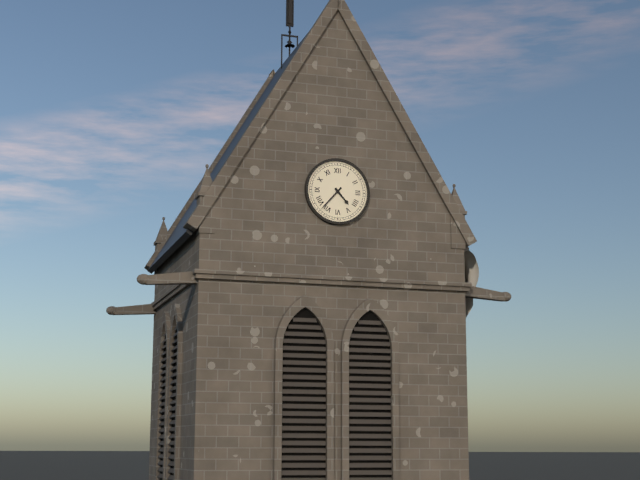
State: 4:37
